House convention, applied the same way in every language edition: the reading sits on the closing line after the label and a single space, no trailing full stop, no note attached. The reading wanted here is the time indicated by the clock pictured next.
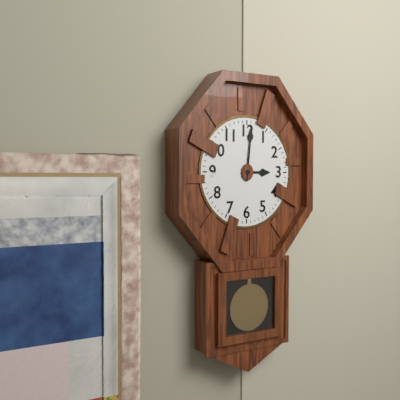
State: 3:01
